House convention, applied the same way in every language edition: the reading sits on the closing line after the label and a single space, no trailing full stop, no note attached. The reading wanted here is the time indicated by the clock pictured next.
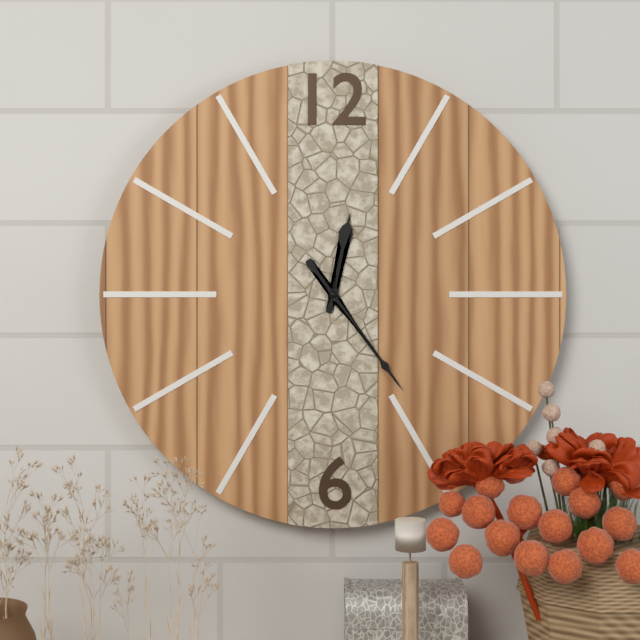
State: 12:24
